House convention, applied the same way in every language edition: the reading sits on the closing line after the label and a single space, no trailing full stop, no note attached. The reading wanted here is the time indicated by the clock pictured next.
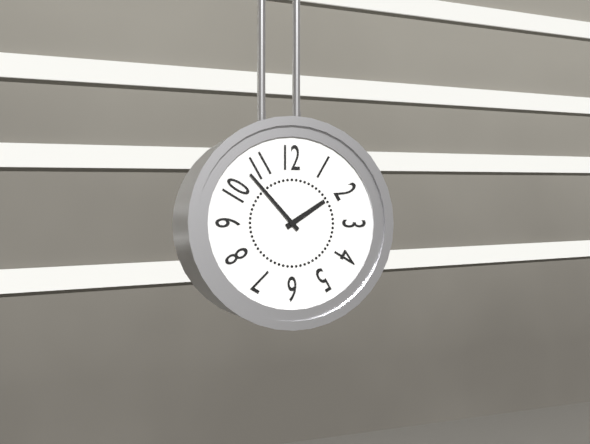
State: 1:53
